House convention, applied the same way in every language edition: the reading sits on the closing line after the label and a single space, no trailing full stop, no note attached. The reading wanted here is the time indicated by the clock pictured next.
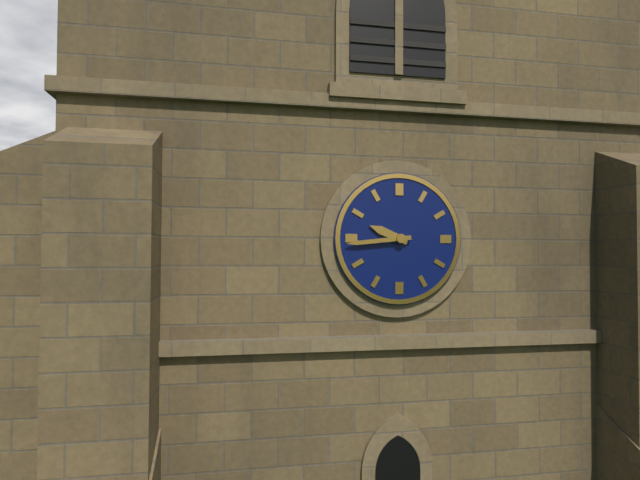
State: 9:44
